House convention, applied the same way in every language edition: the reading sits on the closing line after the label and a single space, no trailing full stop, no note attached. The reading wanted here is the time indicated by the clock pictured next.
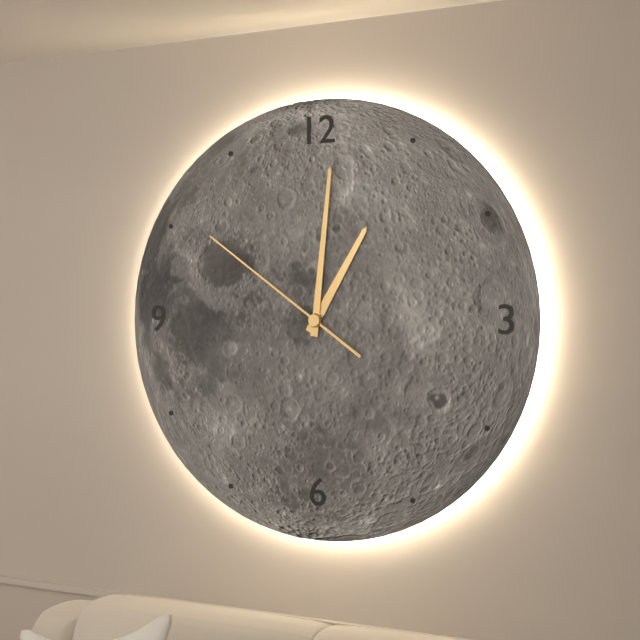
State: 1:01:51
